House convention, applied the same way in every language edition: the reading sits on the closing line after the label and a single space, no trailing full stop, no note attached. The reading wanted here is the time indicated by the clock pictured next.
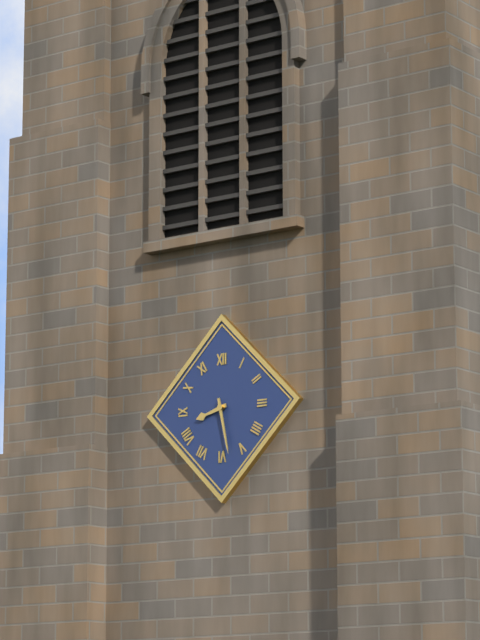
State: 8:28
